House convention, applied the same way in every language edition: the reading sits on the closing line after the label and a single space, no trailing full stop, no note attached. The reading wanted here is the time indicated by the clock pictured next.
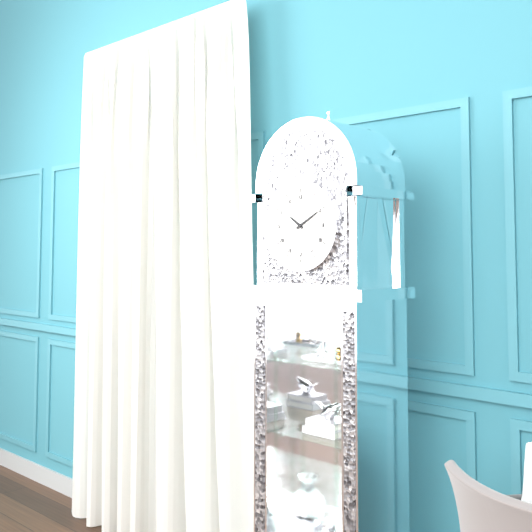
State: 10:10
